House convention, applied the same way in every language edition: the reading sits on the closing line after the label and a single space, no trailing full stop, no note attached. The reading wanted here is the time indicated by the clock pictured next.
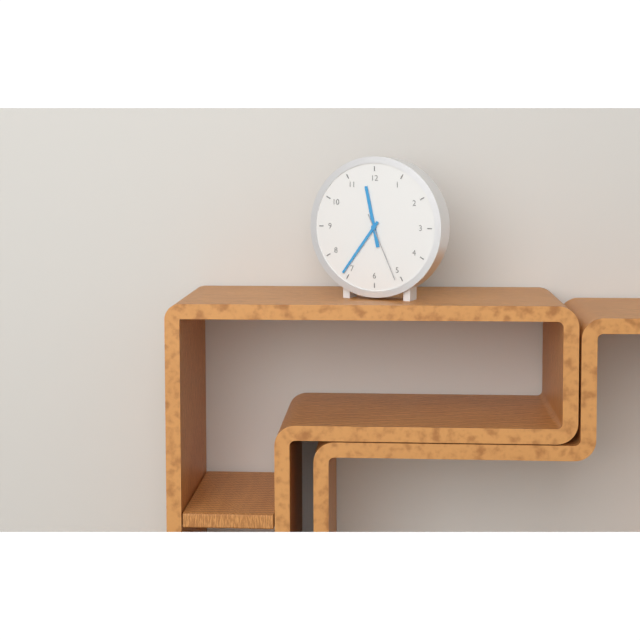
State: 11:36:26
